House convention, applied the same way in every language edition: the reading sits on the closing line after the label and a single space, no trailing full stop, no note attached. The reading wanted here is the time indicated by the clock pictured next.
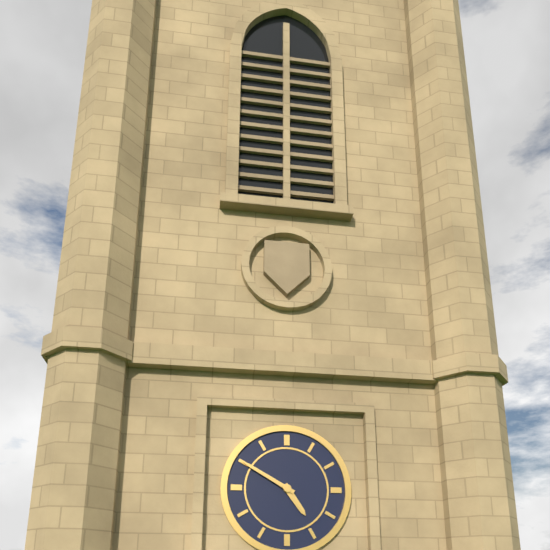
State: 4:50
